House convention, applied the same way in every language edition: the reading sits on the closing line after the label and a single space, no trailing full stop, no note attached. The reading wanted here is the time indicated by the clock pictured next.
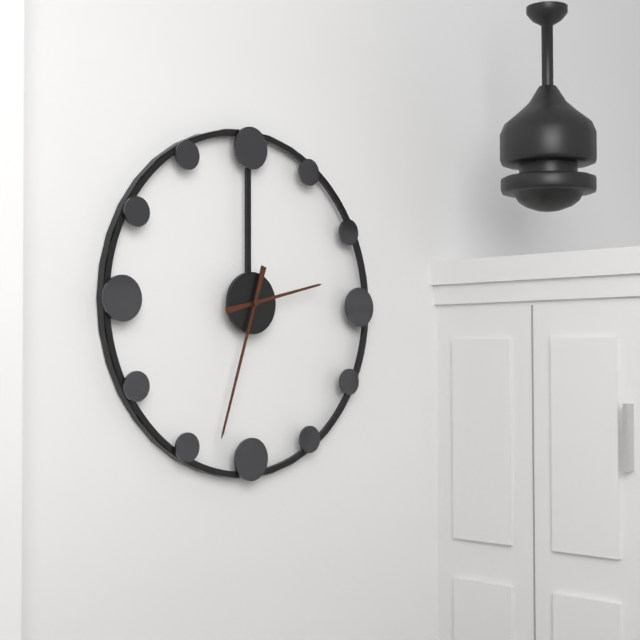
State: 2:33
